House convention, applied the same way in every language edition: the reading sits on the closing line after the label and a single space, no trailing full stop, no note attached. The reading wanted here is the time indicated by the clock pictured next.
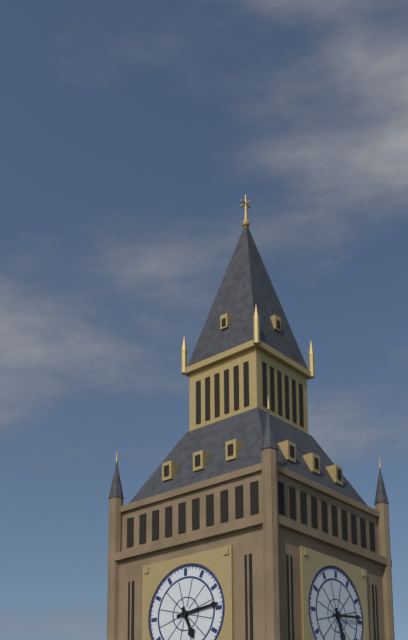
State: 5:14
